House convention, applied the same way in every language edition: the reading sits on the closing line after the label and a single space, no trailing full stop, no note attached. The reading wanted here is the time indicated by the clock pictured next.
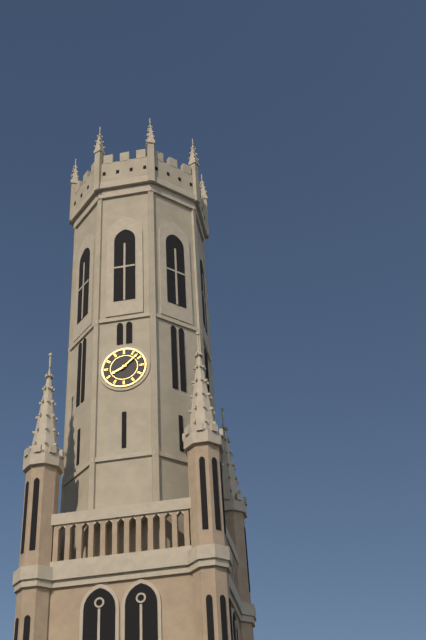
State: 8:08
